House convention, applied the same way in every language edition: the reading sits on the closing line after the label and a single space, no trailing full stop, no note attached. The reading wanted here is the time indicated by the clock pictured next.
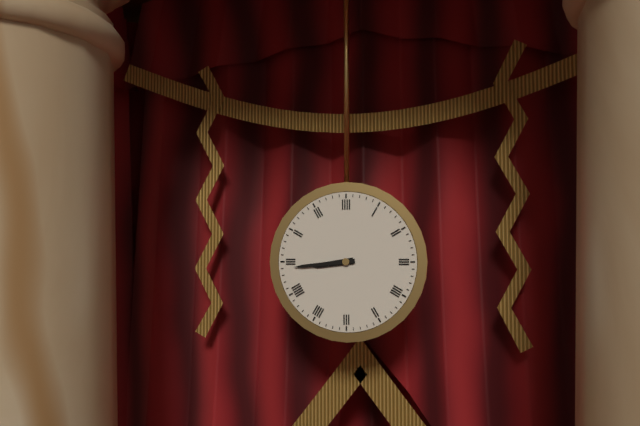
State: 8:44
